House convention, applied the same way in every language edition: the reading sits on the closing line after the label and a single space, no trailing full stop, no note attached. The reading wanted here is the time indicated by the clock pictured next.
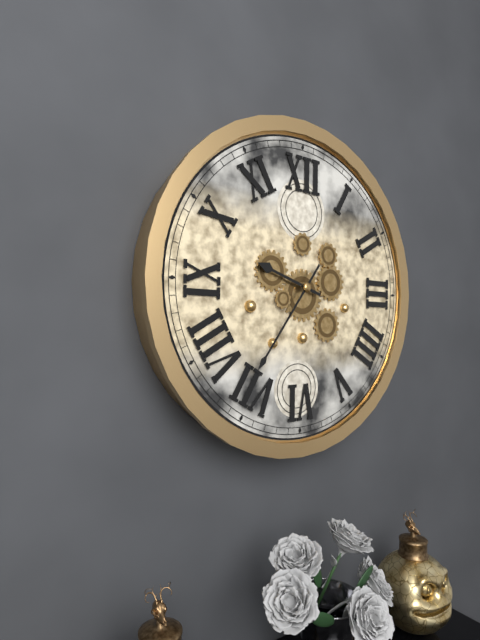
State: 9:36
